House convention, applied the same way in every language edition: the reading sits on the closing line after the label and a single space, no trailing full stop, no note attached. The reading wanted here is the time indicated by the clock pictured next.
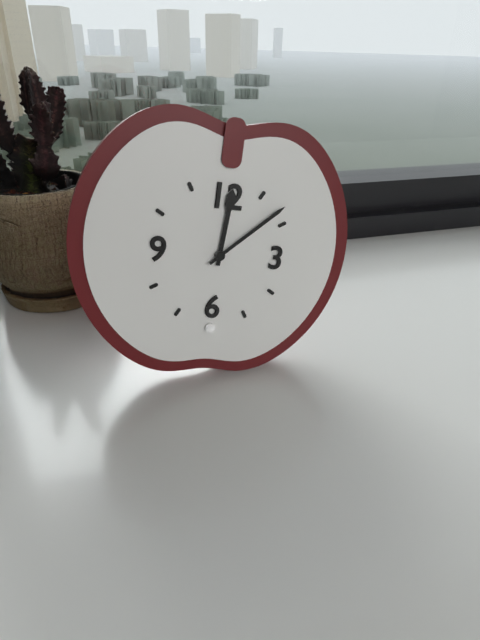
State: 12:08
